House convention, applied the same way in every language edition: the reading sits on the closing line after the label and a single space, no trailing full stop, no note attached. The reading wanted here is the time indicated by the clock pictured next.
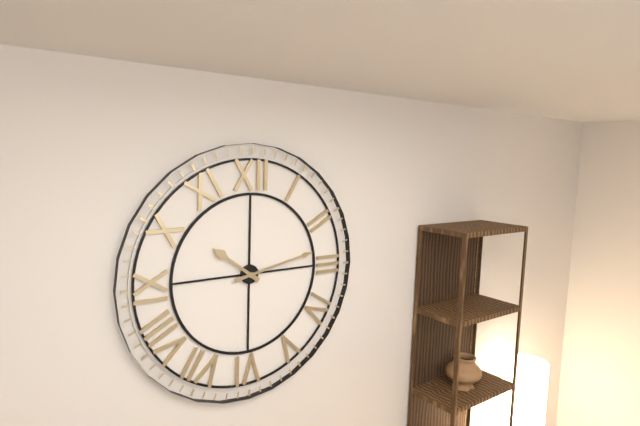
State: 10:13
